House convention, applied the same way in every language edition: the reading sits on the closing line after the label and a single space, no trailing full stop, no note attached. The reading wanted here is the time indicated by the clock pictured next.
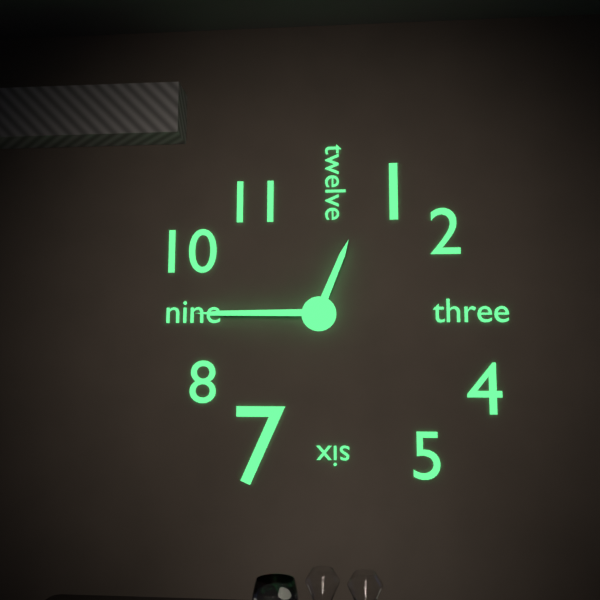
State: 12:45
